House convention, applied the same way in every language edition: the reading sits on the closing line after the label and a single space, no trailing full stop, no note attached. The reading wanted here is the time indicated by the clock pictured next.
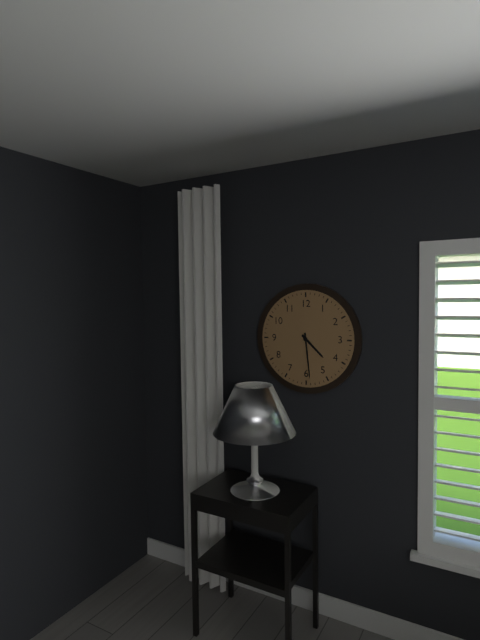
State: 4:29
